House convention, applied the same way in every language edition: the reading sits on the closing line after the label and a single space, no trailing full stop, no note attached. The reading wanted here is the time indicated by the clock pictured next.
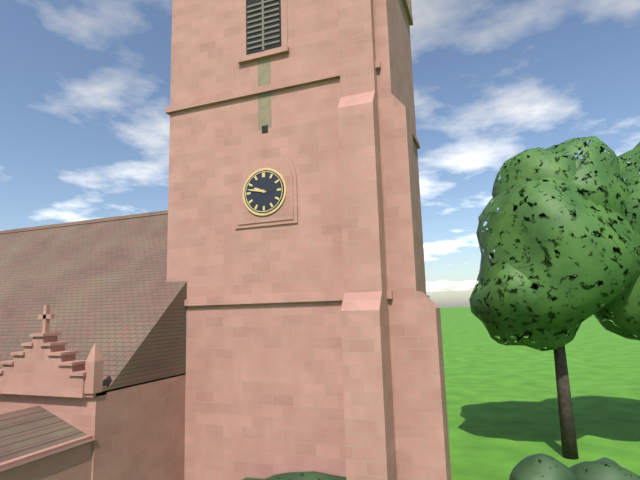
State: 9:47
